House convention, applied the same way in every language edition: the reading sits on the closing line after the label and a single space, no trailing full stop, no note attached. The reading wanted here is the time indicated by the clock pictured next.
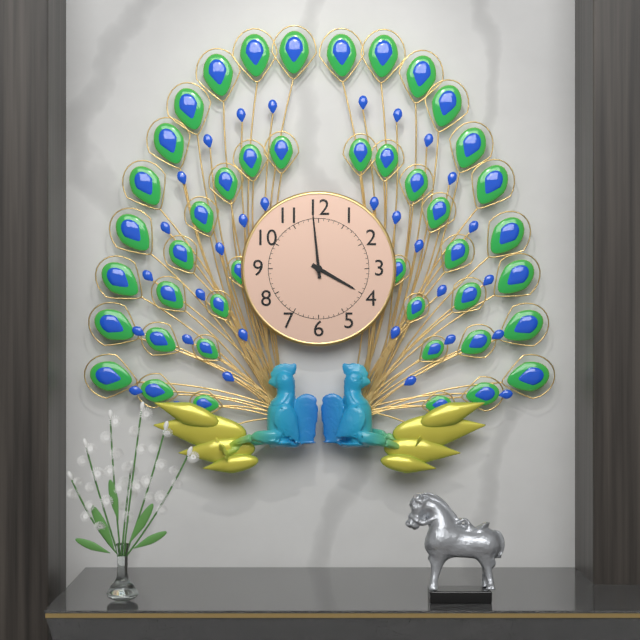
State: 3:59
